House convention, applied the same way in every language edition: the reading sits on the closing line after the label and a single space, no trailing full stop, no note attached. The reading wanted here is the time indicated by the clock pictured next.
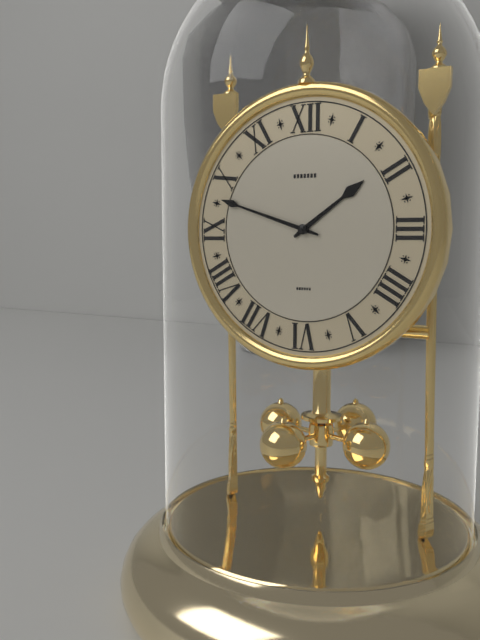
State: 1:48
